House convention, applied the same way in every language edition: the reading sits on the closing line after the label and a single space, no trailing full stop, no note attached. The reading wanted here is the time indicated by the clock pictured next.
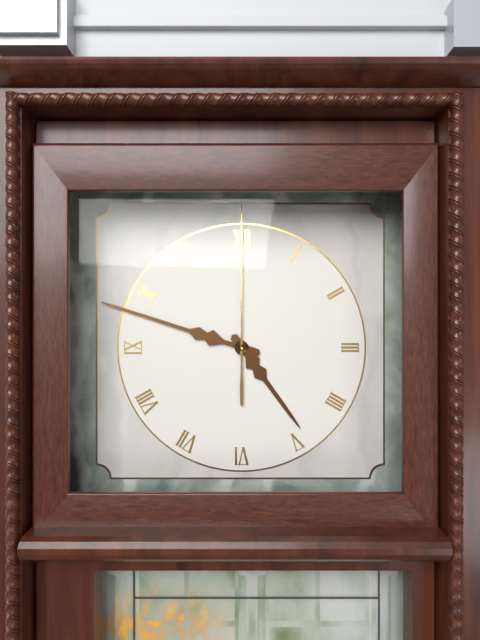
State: 4:48:00
